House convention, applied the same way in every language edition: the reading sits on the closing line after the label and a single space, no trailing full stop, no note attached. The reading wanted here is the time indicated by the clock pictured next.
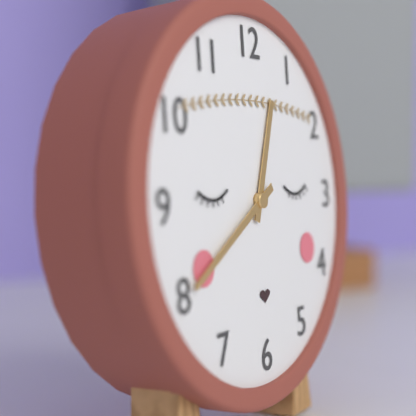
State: 12:40
